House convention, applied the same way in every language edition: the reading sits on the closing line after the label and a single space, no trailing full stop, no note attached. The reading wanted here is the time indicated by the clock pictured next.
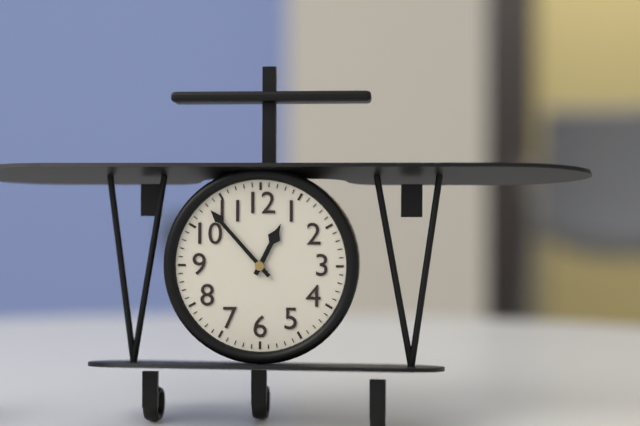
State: 12:53
